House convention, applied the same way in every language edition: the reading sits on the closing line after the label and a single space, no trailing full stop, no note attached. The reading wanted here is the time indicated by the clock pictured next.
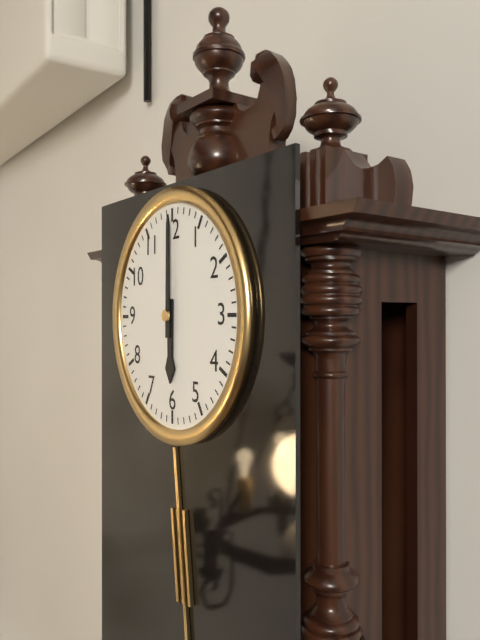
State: 6:00
